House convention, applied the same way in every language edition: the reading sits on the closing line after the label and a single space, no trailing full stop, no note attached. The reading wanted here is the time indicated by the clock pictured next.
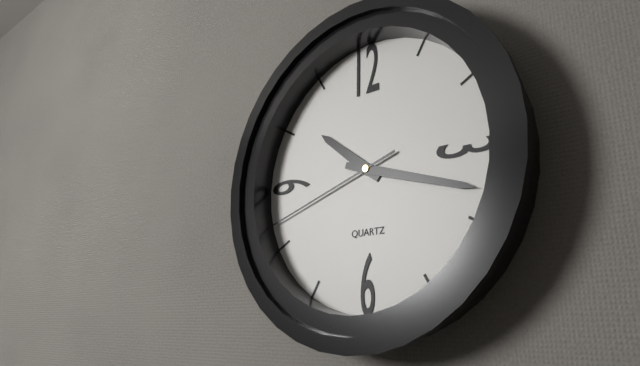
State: 10:18:42
